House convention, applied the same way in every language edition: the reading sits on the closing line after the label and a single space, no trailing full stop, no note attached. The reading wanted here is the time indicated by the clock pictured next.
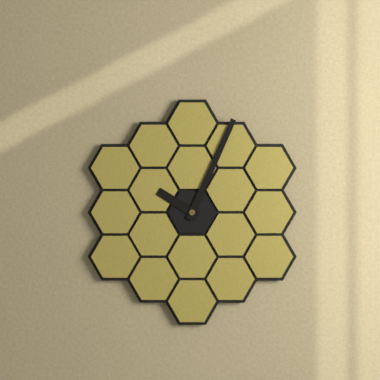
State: 10:04
